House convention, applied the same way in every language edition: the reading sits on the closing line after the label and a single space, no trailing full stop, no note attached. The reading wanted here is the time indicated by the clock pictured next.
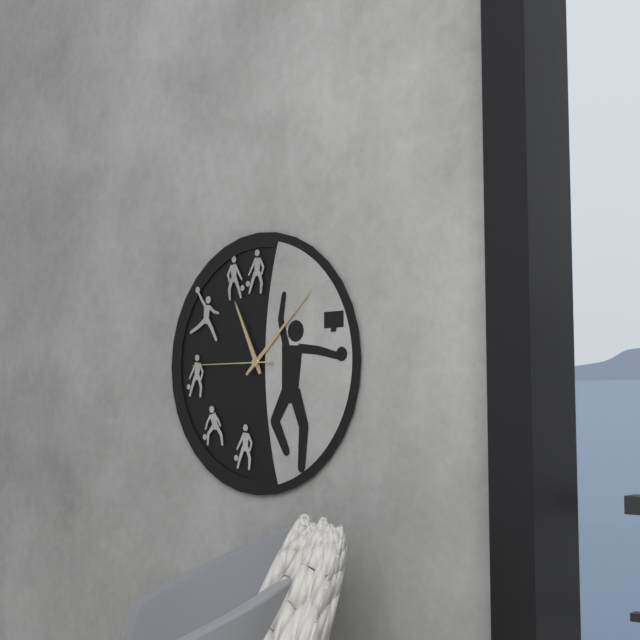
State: 11:08:45
